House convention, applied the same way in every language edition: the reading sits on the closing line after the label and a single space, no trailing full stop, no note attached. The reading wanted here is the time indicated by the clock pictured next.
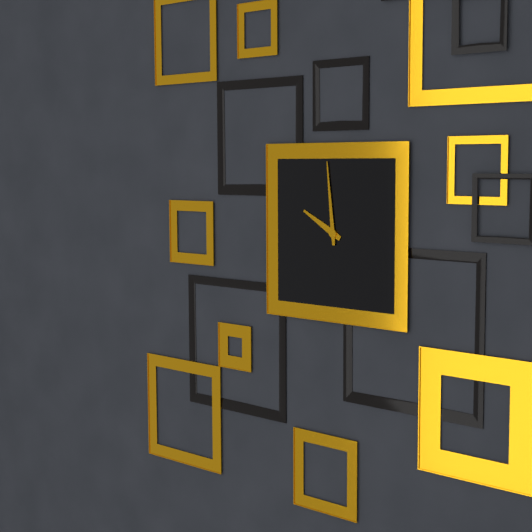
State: 9:59
